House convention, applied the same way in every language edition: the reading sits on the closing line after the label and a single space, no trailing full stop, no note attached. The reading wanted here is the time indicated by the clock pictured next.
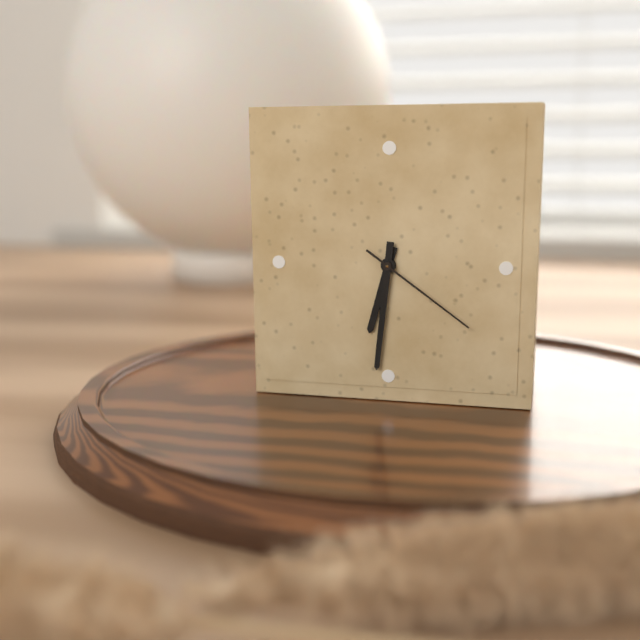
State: 6:31:21
